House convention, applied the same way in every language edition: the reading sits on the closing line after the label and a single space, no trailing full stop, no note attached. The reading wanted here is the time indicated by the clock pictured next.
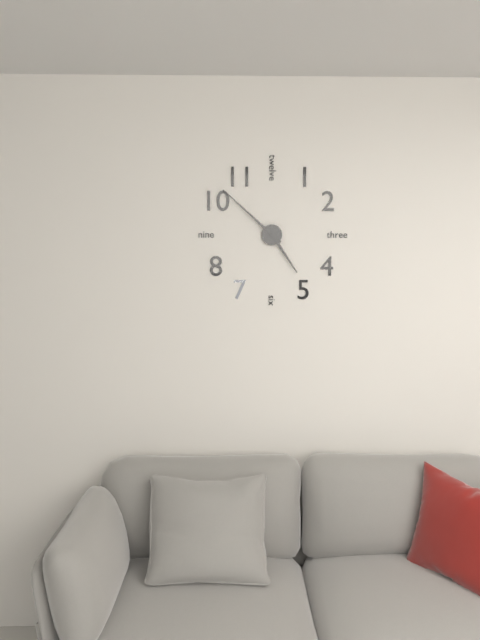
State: 4:52
